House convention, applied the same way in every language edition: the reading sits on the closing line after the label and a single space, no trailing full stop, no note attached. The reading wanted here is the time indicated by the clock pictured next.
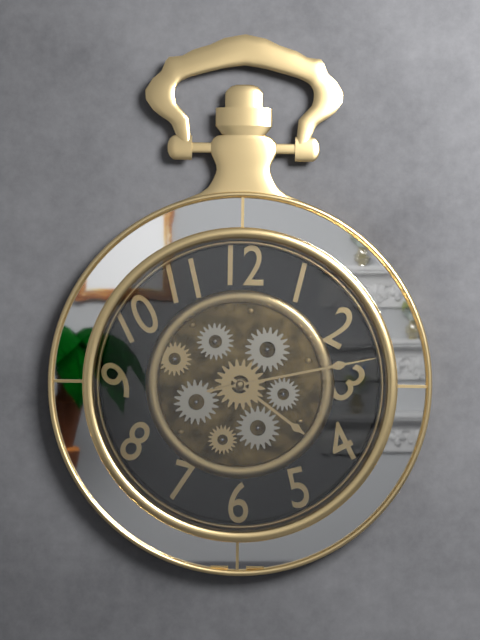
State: 4:13
